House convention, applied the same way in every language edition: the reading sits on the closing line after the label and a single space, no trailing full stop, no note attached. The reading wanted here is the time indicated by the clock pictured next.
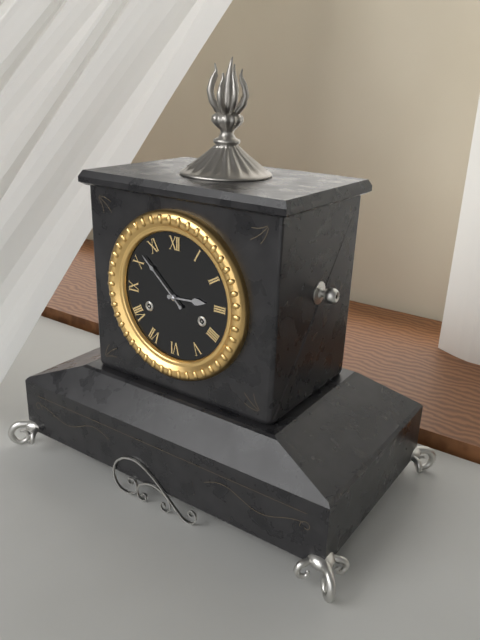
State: 2:52
